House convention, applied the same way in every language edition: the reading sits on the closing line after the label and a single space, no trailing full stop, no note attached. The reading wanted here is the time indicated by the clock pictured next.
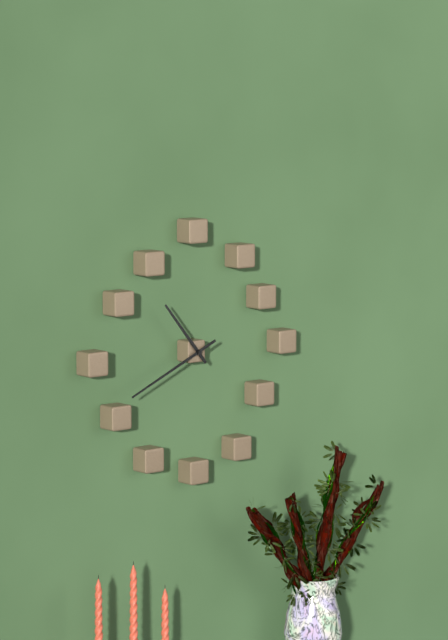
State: 10:41
